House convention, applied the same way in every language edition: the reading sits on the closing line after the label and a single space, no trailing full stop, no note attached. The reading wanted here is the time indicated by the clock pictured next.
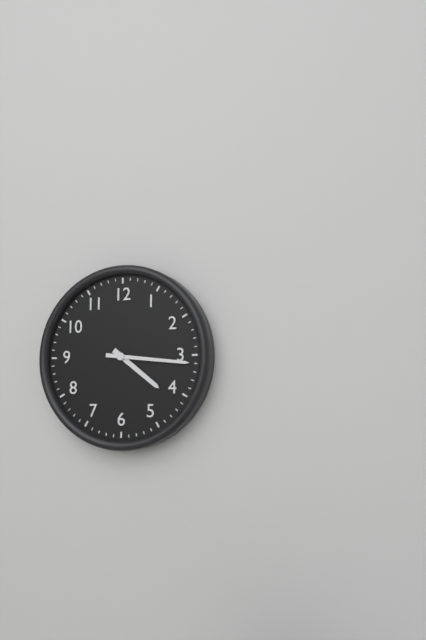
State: 4:16
